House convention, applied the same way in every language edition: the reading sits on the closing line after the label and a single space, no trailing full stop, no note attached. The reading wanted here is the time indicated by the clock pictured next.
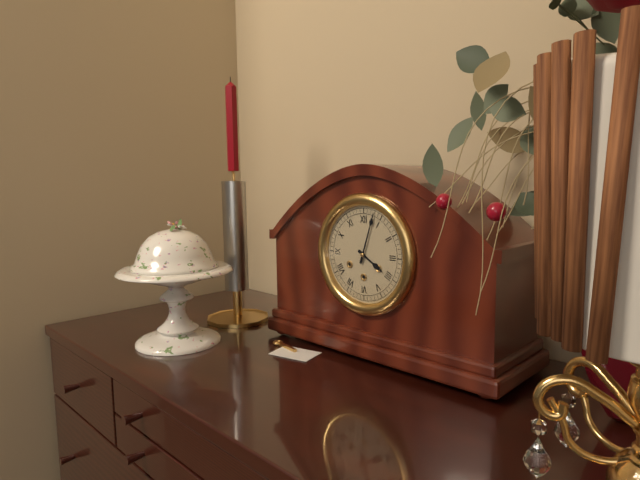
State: 4:03
